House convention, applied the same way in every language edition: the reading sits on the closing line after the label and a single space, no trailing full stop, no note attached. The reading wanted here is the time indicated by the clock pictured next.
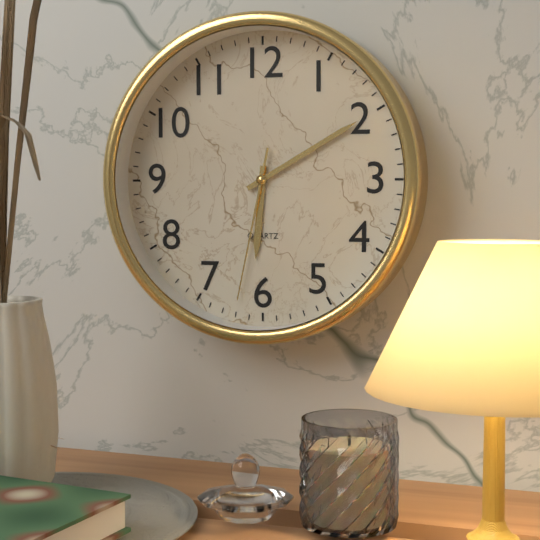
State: 6:10:32
